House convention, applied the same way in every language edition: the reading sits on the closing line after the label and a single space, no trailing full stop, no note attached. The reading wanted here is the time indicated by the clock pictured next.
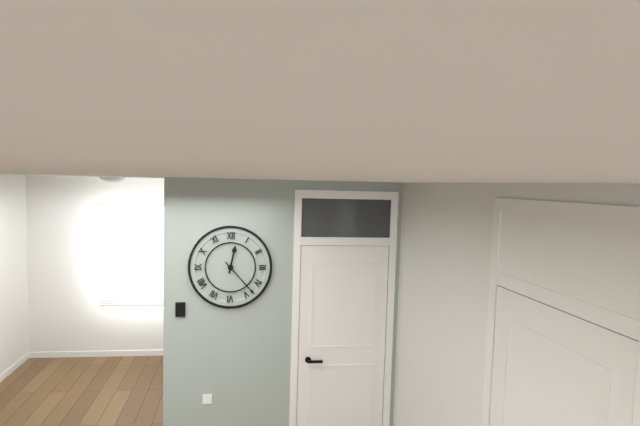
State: 12:23
